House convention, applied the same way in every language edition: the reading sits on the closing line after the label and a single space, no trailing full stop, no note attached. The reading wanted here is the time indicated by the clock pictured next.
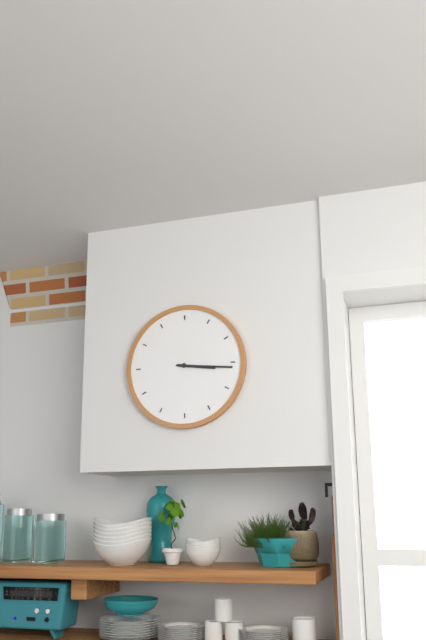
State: 3:16
